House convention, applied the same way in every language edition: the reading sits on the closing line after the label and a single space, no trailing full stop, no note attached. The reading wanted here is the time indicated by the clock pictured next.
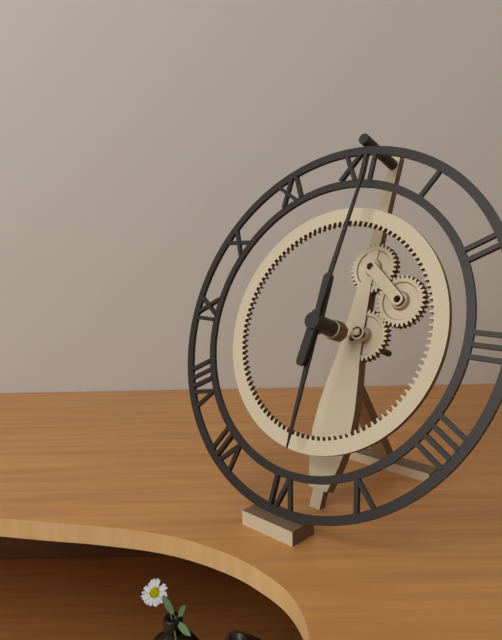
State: 6:01
